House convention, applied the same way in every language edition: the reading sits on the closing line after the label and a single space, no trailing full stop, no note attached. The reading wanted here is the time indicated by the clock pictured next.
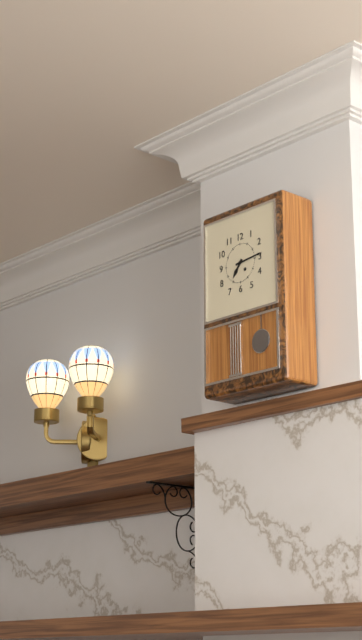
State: 7:14
